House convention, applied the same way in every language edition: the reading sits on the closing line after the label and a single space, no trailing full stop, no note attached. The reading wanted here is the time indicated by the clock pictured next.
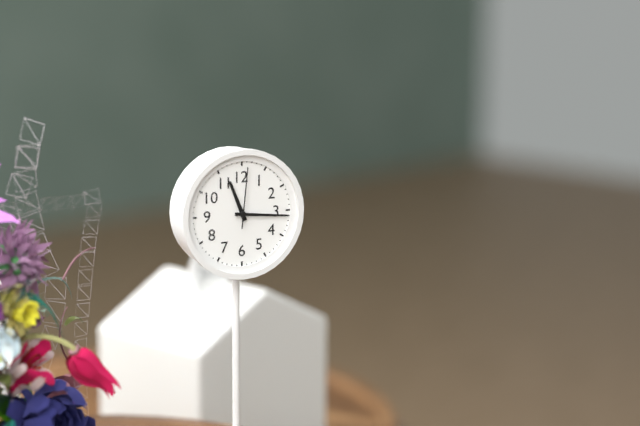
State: 11:16:01
